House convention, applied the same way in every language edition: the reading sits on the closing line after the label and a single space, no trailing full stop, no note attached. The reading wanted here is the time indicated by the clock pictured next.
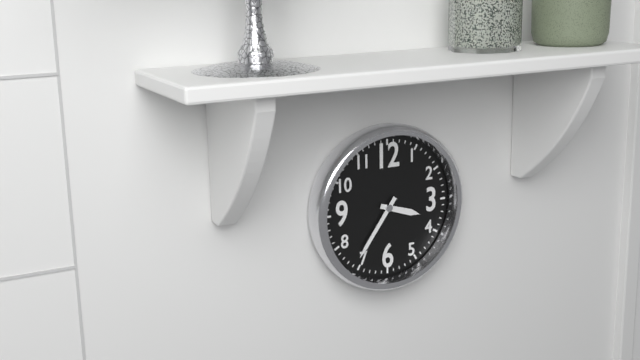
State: 3:36
